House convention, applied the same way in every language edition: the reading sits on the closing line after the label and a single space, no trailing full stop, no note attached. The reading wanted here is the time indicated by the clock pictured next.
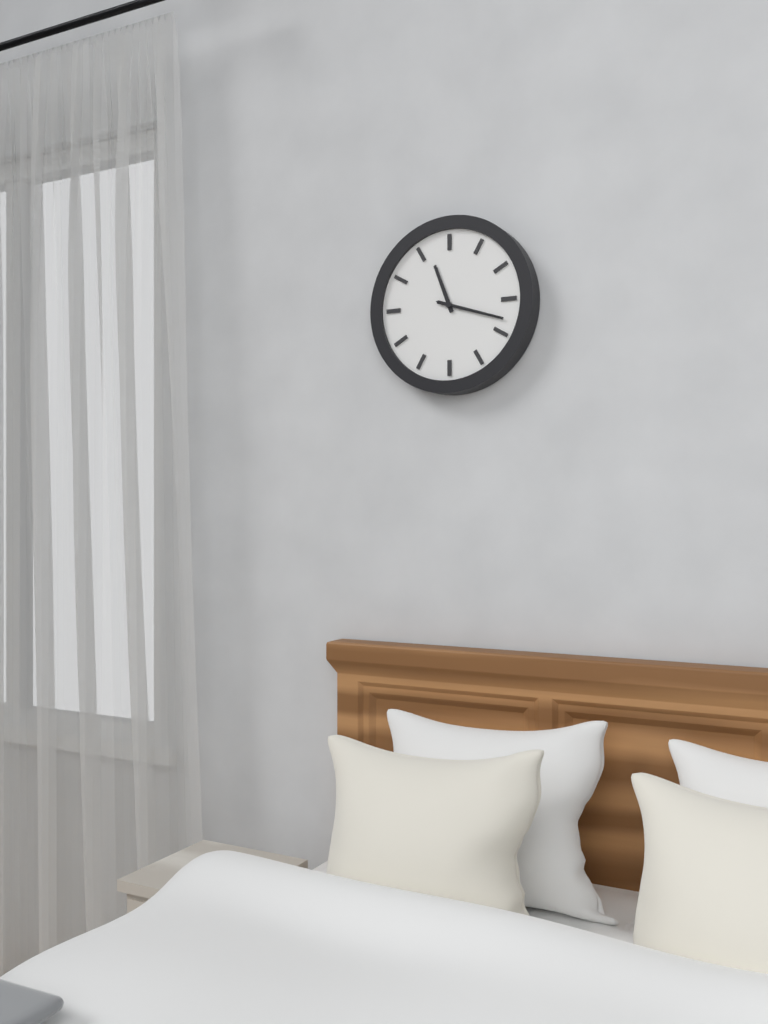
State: 11:18:18
